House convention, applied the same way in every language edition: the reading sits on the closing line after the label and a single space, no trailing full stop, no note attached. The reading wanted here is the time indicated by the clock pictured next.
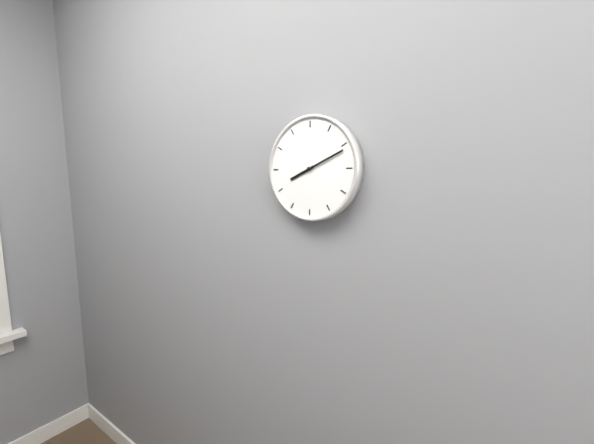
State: 8:11
